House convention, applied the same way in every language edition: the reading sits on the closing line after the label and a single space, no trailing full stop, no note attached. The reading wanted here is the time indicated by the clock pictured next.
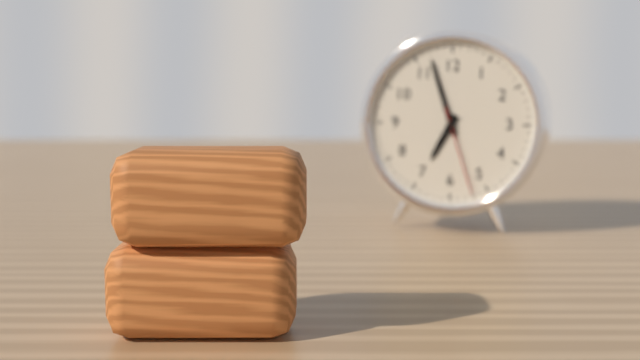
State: 6:57:27
